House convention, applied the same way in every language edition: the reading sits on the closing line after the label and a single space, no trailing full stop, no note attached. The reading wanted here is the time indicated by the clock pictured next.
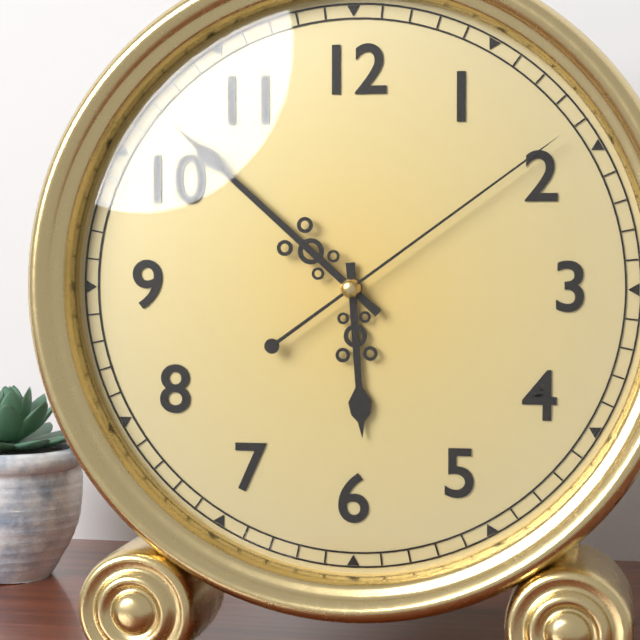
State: 5:52:09
